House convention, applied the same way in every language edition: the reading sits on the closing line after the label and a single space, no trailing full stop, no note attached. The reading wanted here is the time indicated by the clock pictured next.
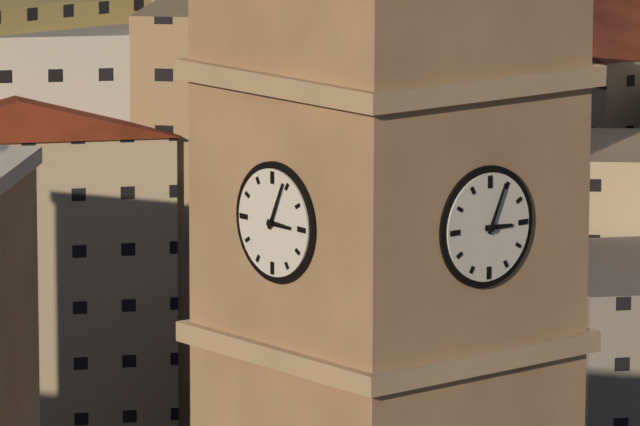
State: 3:04
